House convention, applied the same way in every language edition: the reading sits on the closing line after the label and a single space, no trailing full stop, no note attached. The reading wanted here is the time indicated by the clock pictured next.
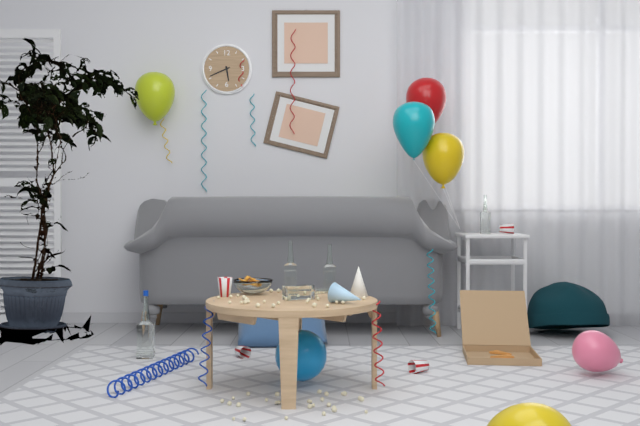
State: 5:41
